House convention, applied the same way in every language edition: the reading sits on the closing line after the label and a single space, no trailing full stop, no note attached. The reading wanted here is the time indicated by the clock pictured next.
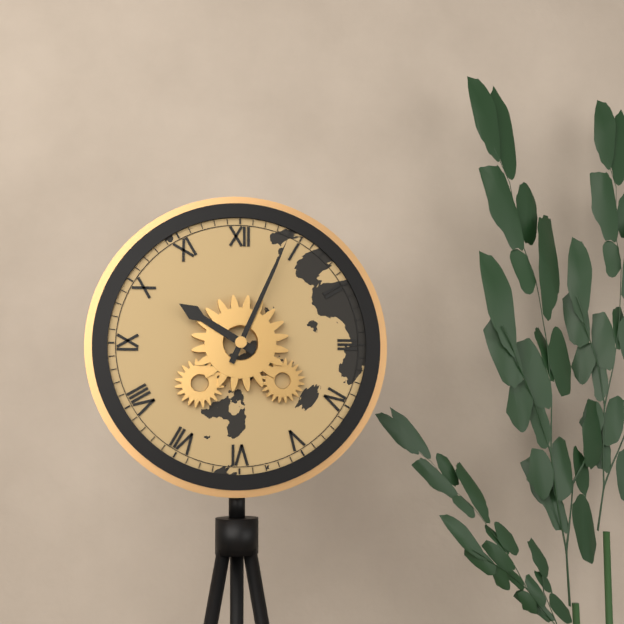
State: 10:04
